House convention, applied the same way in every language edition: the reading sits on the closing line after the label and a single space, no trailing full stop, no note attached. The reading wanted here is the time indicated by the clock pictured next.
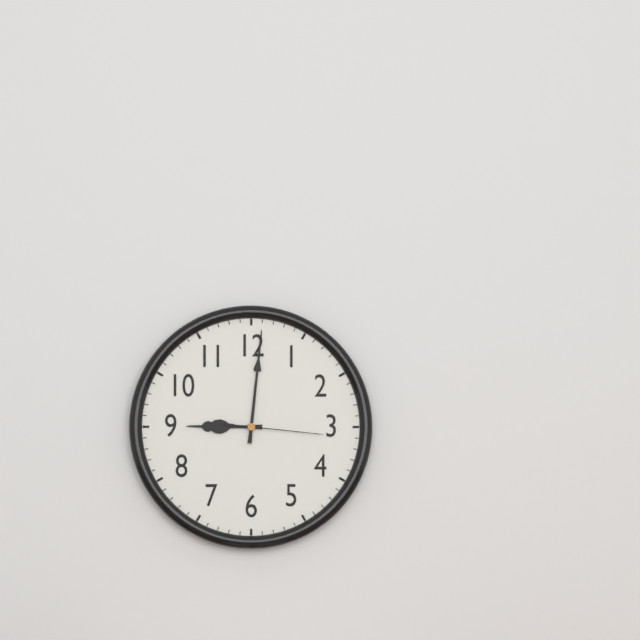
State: 9:01:16
